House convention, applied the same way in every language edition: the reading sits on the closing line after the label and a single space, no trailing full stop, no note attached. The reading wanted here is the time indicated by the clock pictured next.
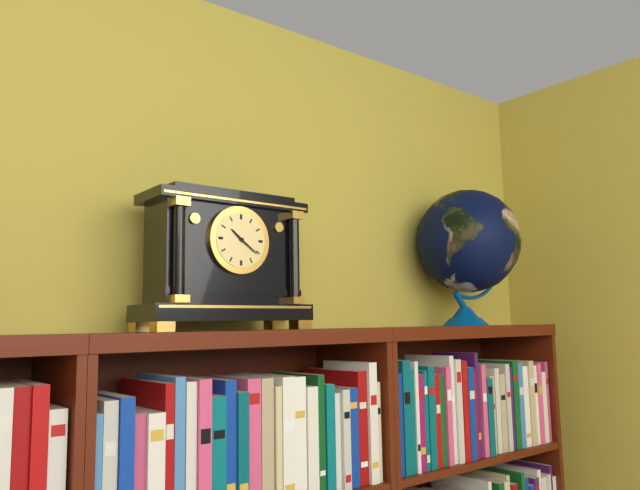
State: 10:21
